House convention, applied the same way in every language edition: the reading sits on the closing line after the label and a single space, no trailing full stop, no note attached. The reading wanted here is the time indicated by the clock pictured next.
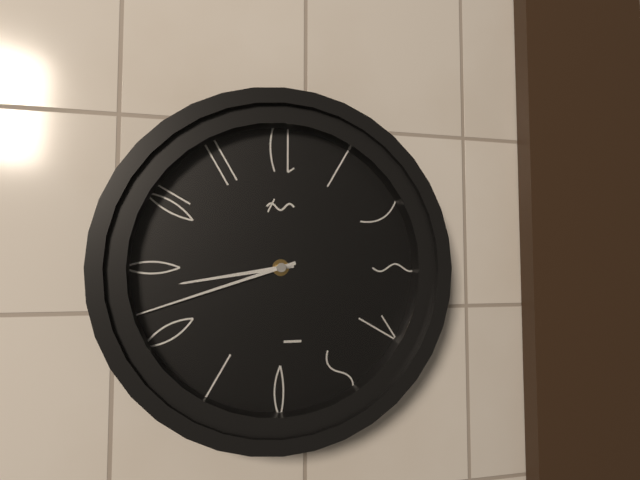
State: 8:42
